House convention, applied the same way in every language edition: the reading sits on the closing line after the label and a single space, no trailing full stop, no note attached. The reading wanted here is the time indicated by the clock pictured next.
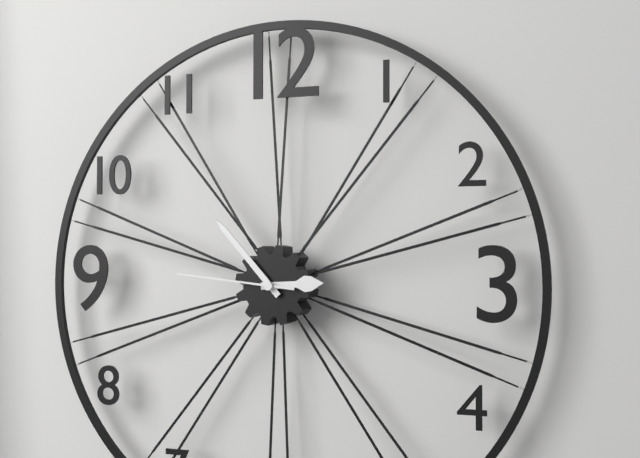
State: 2:53:46
